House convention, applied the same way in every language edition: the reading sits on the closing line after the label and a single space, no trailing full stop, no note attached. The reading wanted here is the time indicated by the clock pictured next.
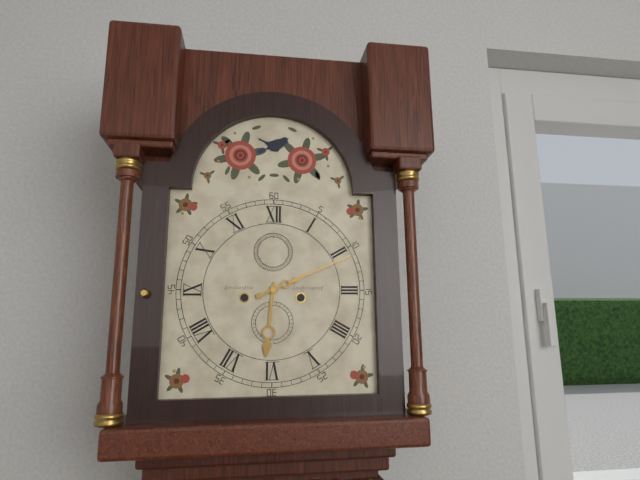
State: 6:11
